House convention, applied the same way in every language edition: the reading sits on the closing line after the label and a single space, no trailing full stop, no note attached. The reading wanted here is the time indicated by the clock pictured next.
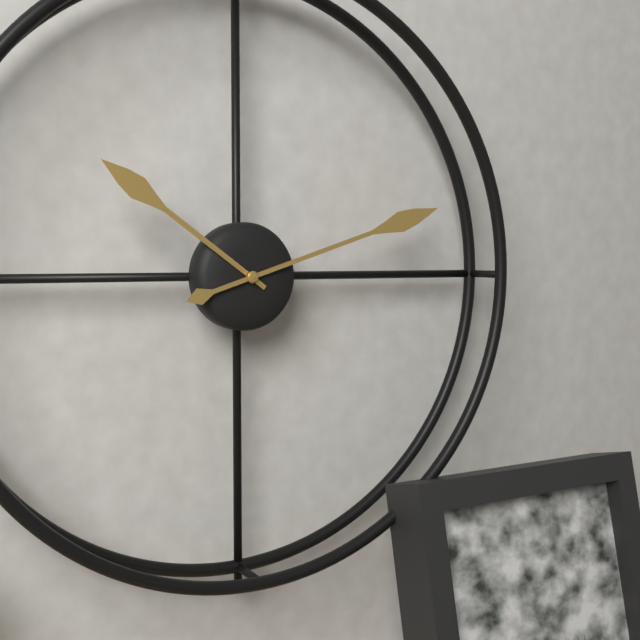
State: 10:12
